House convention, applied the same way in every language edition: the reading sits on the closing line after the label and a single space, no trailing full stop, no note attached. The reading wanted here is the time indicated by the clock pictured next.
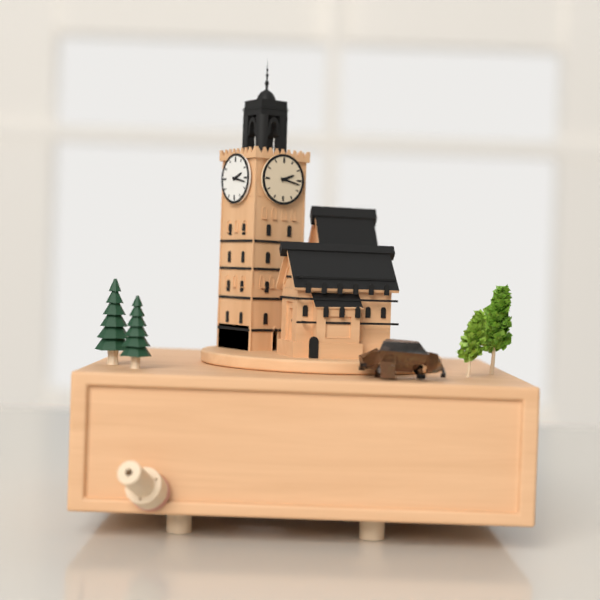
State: 2:17
